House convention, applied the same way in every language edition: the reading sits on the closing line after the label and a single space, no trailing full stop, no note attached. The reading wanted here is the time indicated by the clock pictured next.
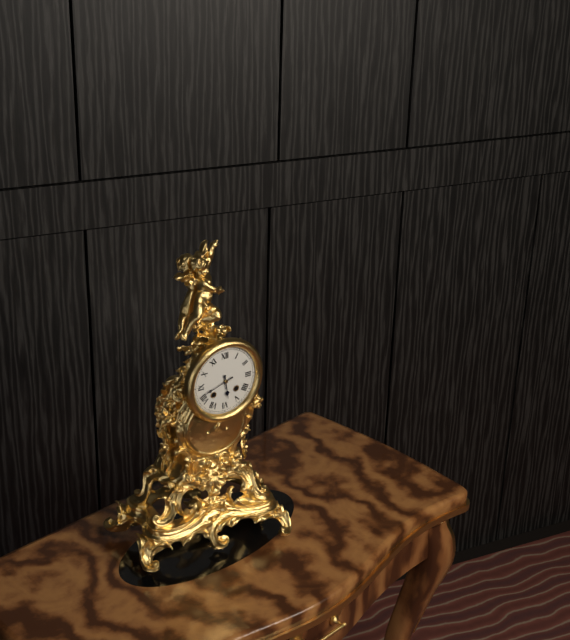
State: 5:42
